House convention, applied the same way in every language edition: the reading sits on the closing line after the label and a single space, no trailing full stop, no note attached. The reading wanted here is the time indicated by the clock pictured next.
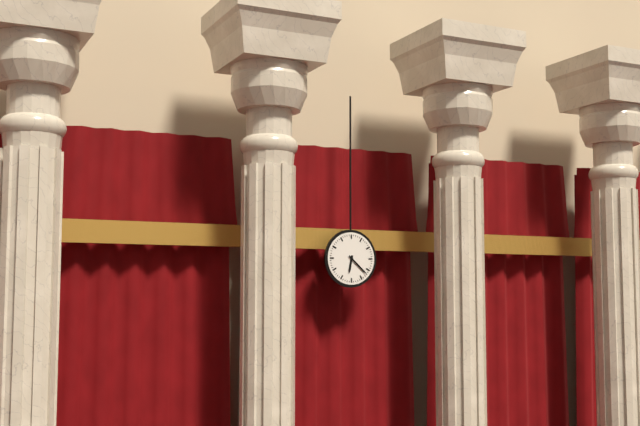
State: 6:22
